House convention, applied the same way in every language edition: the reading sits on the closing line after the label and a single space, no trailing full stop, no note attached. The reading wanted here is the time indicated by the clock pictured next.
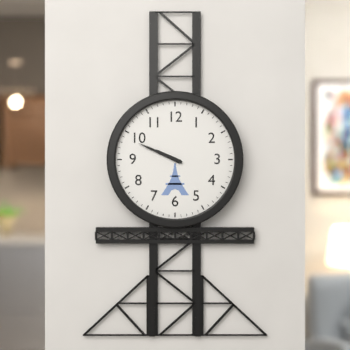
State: 9:49
